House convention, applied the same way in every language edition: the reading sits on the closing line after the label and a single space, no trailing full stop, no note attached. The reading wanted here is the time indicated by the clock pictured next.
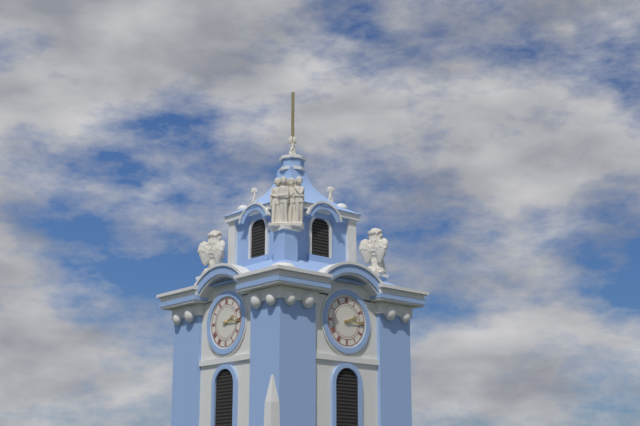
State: 2:15
